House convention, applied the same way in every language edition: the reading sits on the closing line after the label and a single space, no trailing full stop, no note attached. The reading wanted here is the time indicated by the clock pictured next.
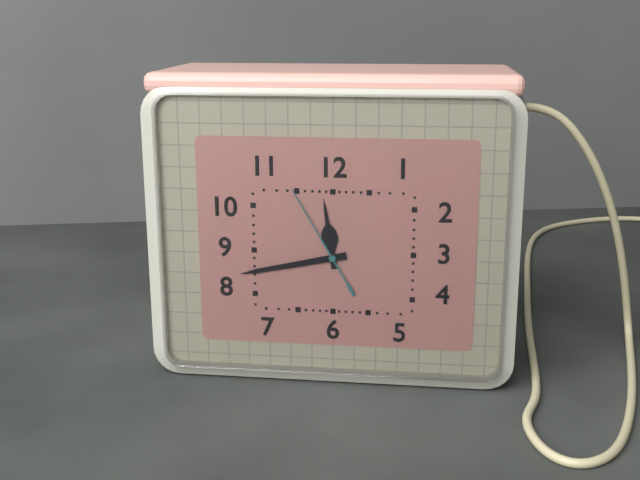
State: 11:43:55
